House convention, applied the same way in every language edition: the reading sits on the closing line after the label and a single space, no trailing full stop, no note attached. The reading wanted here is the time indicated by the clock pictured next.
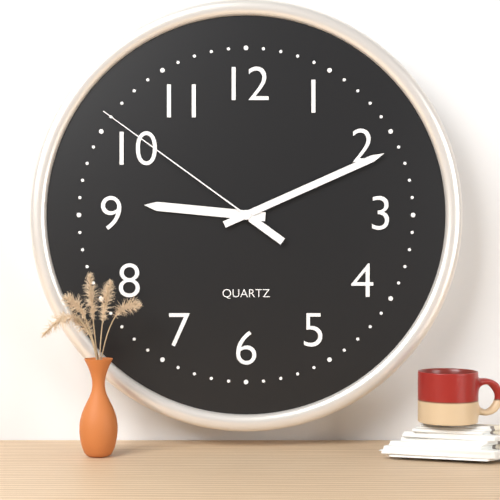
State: 9:11:51
